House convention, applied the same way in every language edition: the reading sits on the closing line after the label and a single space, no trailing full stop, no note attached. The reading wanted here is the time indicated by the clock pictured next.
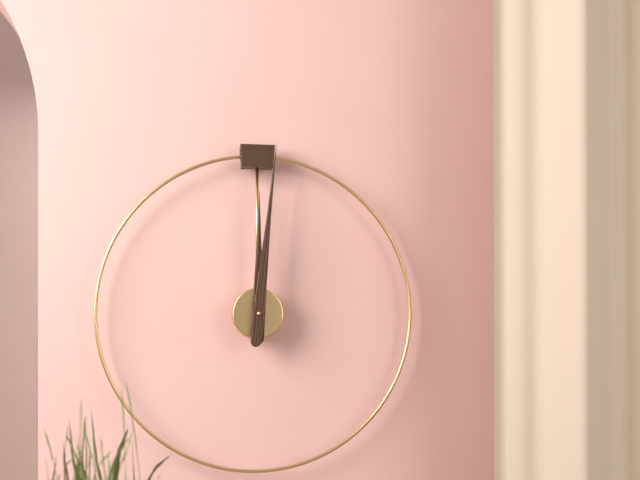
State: 12:01
